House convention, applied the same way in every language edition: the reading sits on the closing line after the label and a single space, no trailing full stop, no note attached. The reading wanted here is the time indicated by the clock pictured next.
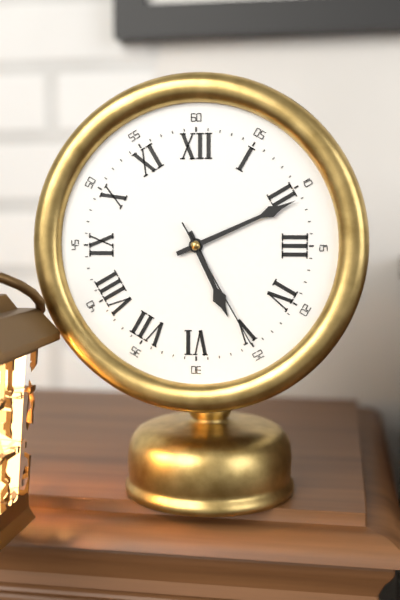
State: 5:11:25
